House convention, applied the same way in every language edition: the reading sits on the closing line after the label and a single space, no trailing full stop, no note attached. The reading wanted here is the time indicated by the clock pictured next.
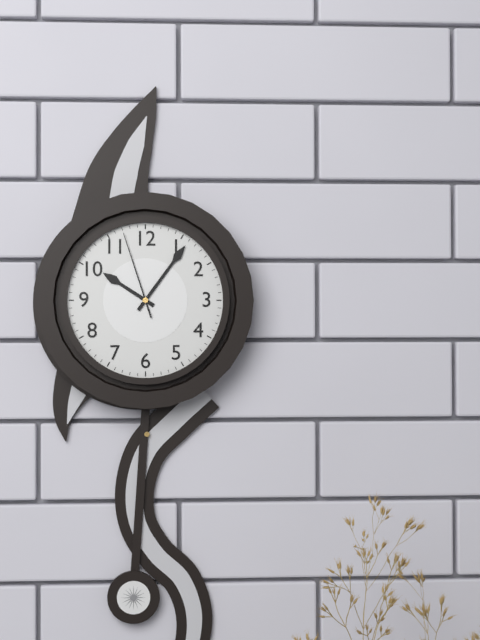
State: 10:06:57
